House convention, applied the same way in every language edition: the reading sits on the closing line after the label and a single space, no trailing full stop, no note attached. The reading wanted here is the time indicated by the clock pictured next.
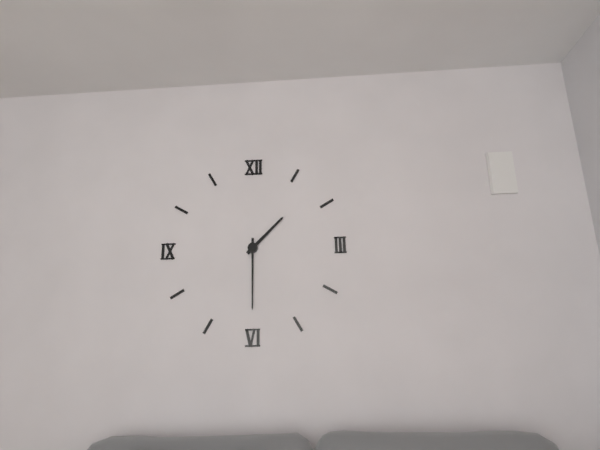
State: 1:30
